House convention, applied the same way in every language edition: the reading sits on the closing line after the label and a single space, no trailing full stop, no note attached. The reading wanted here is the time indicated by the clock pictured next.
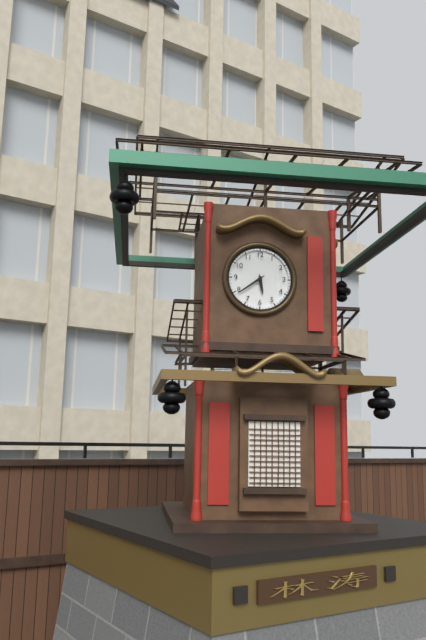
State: 5:39
